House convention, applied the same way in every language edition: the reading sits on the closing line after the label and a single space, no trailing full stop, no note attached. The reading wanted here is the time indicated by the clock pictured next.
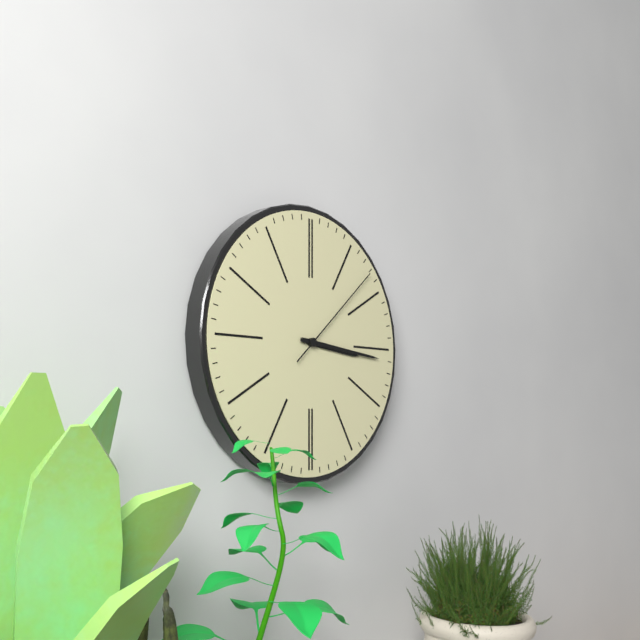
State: 3:16:08
